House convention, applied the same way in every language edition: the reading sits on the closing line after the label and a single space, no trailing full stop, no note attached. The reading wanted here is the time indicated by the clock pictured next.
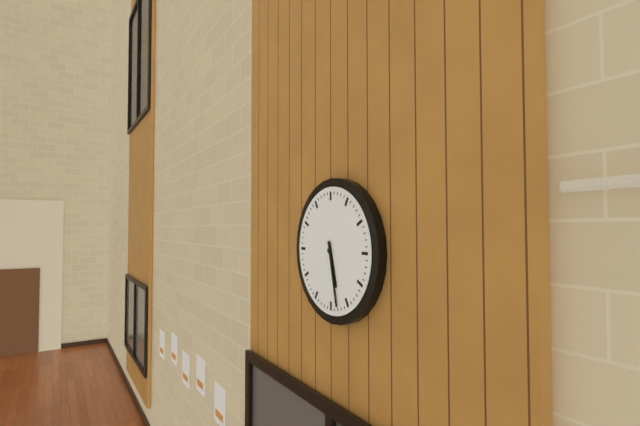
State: 5:28
